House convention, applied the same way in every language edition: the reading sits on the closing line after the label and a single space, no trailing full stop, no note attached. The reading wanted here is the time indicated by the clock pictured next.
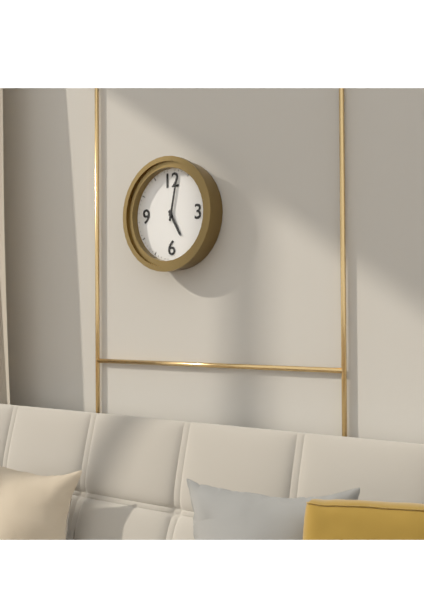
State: 5:02
